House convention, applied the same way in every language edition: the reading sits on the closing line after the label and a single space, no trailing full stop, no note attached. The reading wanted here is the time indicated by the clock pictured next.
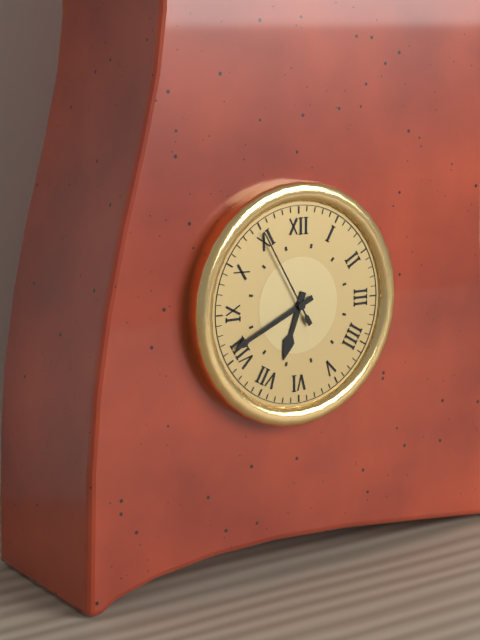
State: 6:41:55
